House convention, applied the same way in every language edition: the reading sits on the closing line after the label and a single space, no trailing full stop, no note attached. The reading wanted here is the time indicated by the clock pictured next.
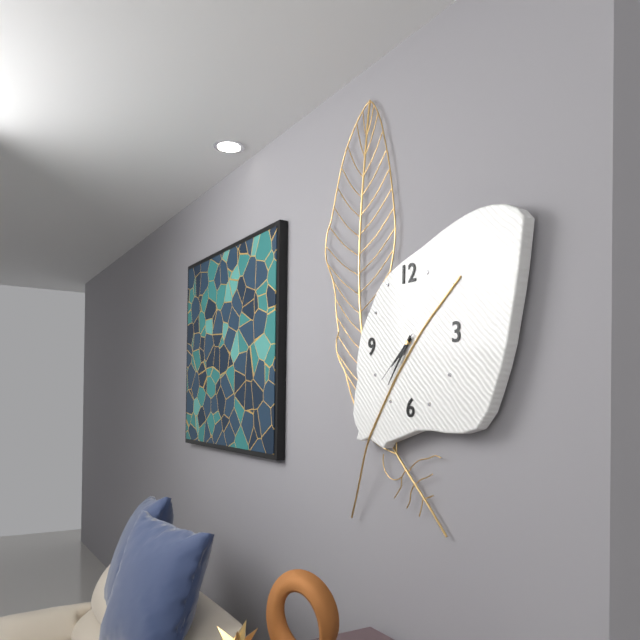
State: 7:36:38
